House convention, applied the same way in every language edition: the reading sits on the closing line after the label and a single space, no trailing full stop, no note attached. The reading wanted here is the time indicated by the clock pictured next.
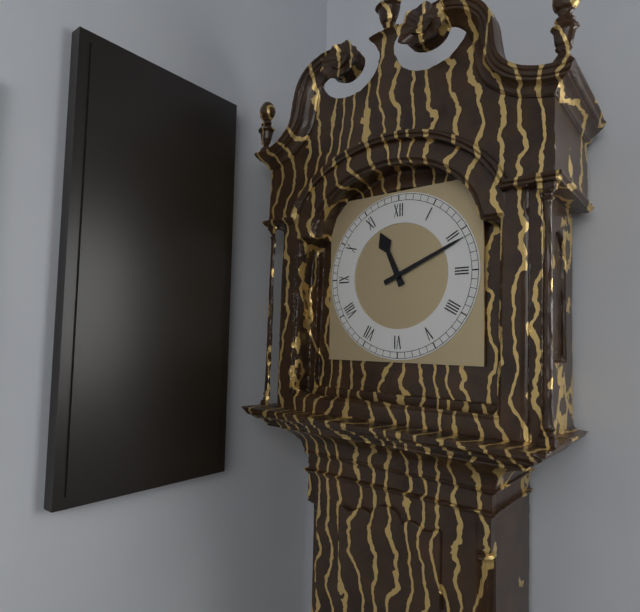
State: 11:11
